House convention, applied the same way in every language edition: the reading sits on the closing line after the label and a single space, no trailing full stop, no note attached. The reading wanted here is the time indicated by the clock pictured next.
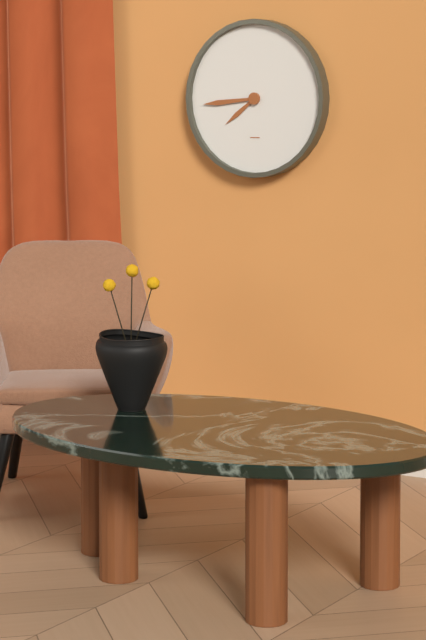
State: 7:44
